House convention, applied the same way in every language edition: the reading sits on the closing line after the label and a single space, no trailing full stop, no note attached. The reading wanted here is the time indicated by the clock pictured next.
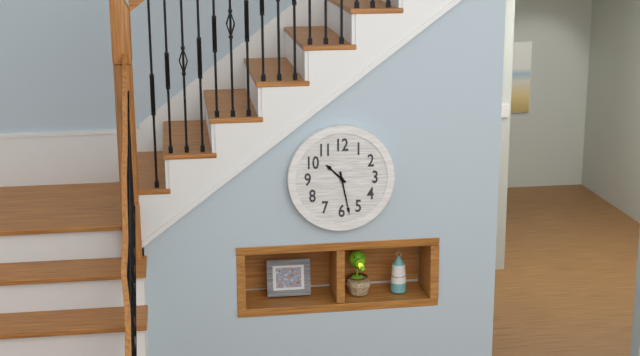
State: 10:28
